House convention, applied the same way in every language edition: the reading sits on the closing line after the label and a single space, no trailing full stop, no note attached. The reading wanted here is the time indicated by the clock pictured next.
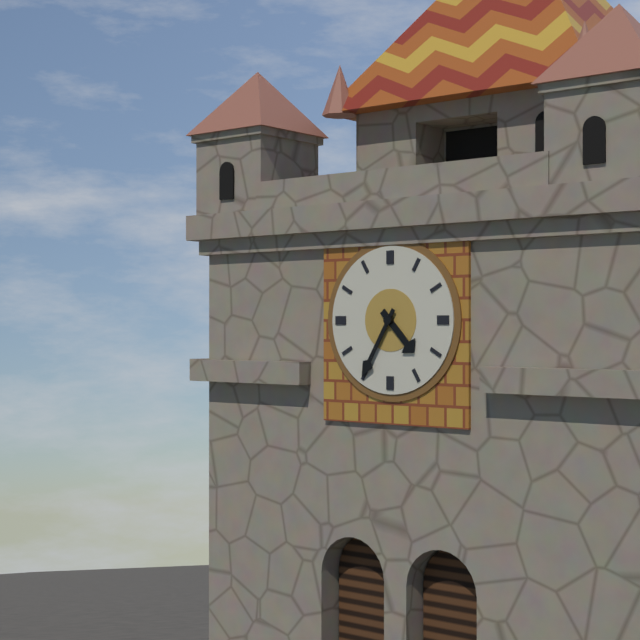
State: 4:35
